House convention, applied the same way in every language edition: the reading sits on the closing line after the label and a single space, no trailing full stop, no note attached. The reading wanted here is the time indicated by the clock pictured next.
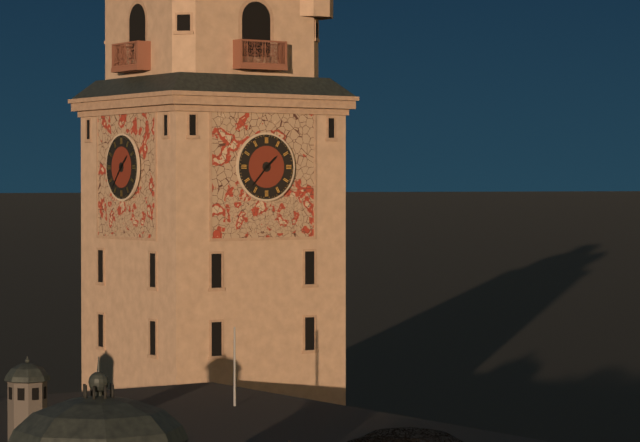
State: 1:37
